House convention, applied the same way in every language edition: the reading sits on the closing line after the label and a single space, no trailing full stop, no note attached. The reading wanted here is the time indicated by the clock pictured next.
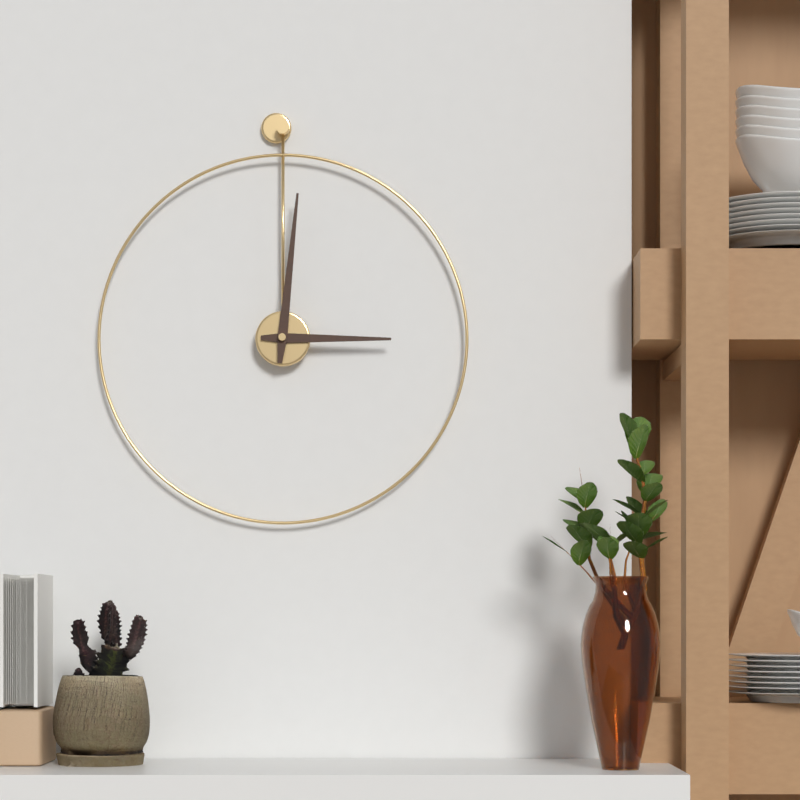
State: 3:01
